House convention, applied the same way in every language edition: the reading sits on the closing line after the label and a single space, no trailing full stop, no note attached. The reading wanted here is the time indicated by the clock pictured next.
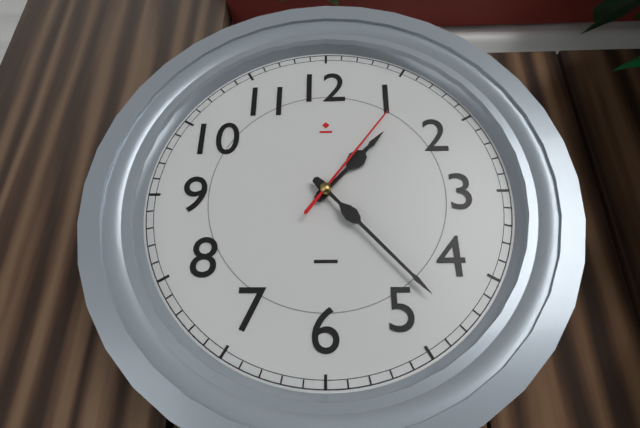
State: 1:23:06
